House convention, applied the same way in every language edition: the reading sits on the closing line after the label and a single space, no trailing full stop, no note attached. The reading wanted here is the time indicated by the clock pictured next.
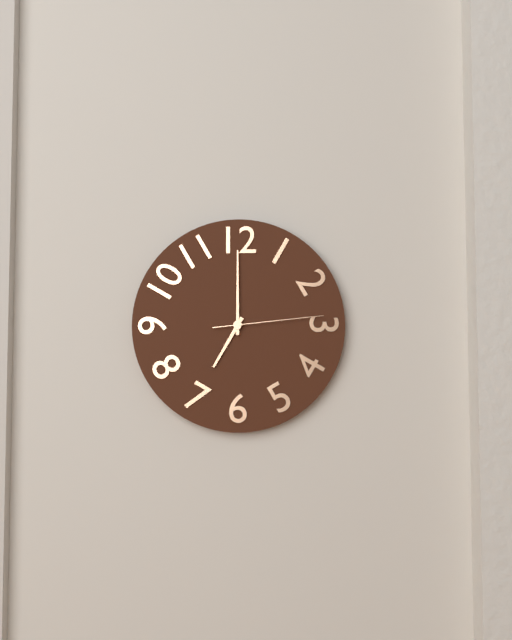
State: 7:00:14
